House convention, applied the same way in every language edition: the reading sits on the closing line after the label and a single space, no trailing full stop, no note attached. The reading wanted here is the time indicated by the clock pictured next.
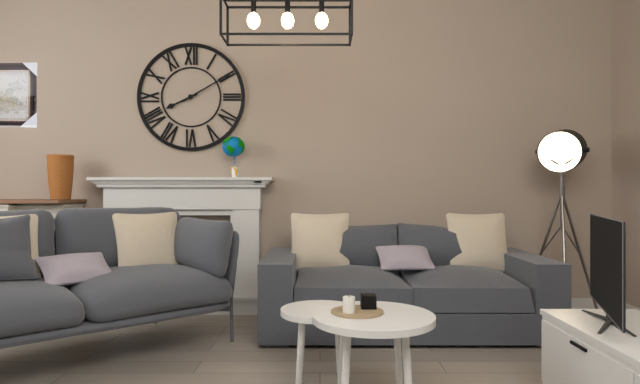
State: 8:10
